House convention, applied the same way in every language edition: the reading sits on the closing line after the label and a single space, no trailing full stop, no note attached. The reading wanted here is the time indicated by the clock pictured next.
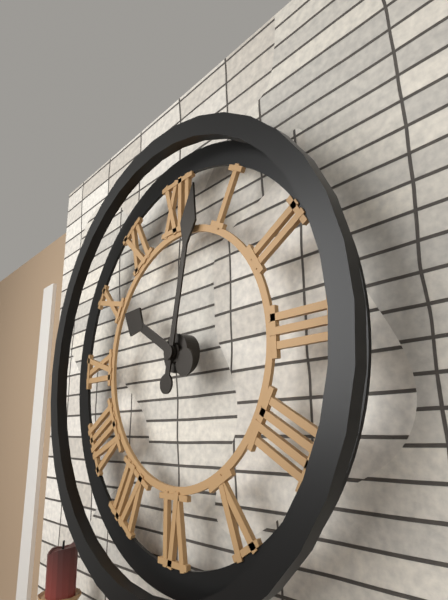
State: 10:02
